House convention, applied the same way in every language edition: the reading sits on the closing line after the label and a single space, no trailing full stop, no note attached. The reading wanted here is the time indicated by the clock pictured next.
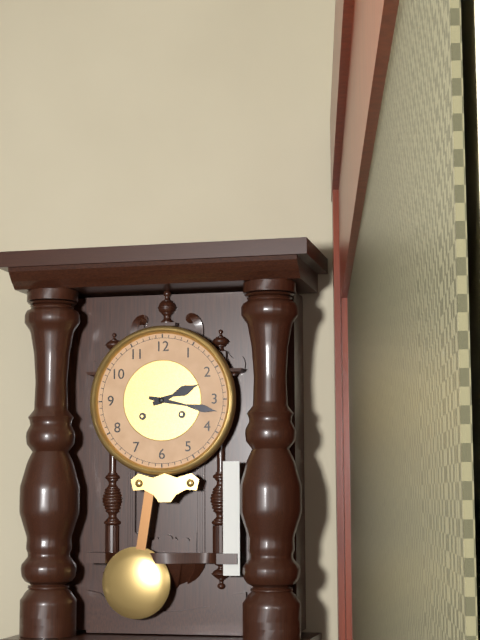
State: 2:17
